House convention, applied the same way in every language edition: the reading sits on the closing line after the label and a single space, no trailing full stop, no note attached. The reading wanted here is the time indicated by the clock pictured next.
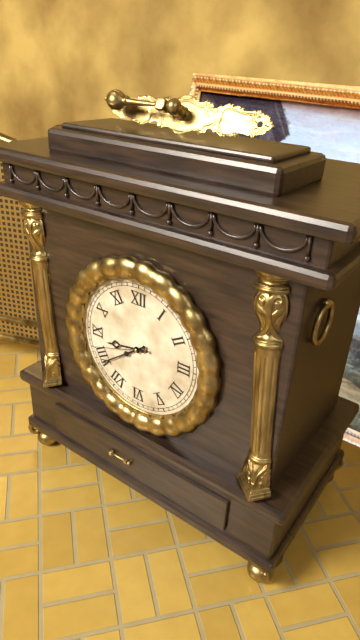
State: 8:39:42
